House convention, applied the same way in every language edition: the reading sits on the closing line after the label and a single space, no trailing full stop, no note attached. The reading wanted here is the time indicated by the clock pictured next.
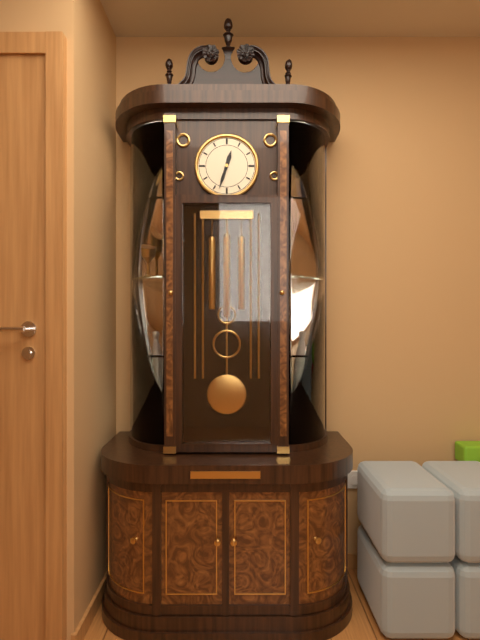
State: 12:33
